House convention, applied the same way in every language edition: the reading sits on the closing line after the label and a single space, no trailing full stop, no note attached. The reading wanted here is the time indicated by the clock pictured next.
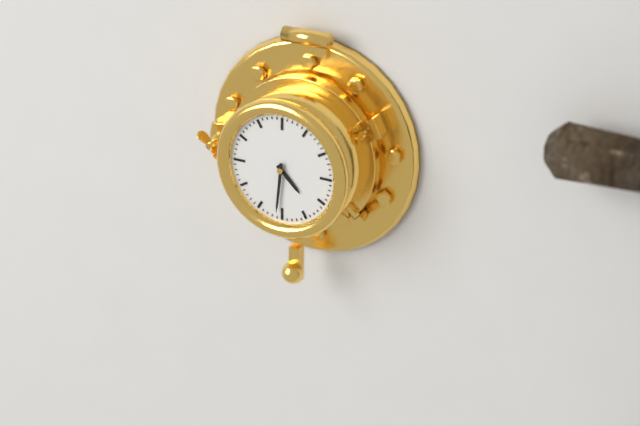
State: 4:31
